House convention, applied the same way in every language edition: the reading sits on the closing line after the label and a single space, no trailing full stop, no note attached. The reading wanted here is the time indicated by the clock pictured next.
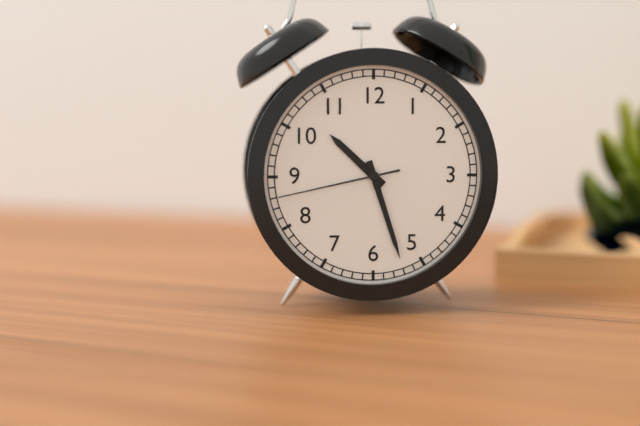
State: 10:27:43
